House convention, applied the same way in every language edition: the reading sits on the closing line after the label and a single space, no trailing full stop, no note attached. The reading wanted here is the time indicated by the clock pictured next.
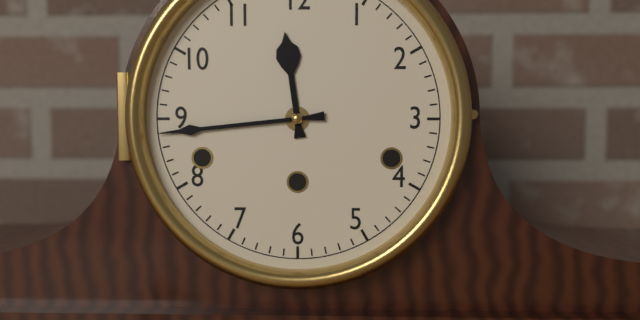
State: 11:44
